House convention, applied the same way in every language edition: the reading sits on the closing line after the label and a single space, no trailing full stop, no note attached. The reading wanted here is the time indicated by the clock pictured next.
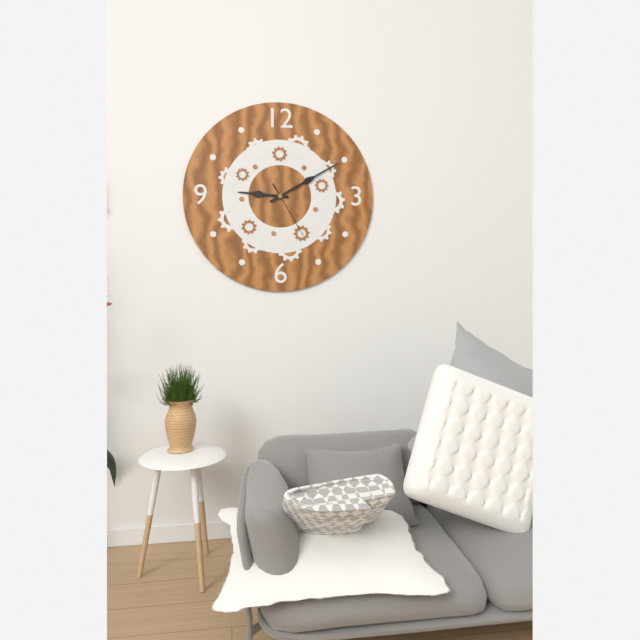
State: 9:10:25
